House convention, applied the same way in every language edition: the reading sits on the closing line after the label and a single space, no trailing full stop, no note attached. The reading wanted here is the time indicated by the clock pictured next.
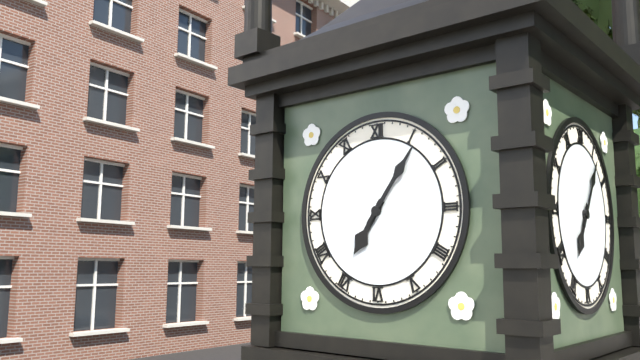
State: 7:06
